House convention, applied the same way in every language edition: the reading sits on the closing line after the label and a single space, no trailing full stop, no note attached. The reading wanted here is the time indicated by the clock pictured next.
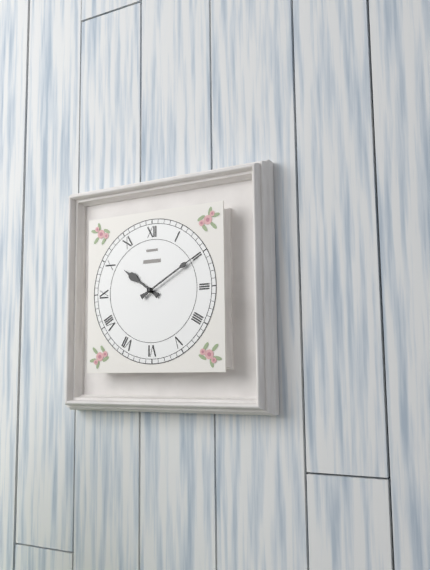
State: 10:10
